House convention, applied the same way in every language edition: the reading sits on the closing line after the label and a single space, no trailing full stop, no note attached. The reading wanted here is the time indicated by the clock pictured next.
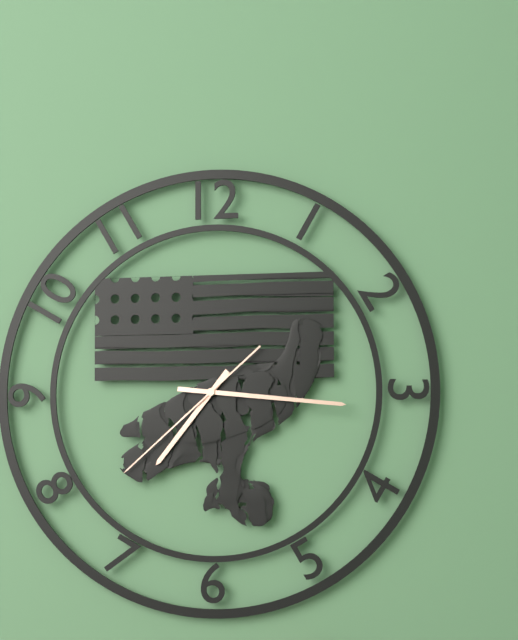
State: 7:16:38
